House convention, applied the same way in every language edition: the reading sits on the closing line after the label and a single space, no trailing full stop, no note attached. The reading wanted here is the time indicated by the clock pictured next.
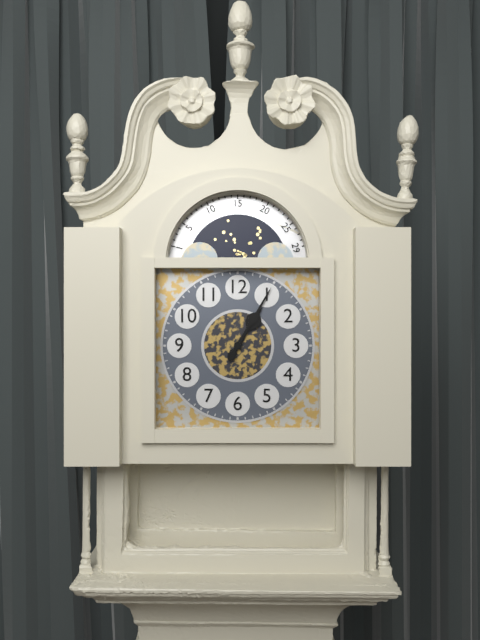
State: 1:05
